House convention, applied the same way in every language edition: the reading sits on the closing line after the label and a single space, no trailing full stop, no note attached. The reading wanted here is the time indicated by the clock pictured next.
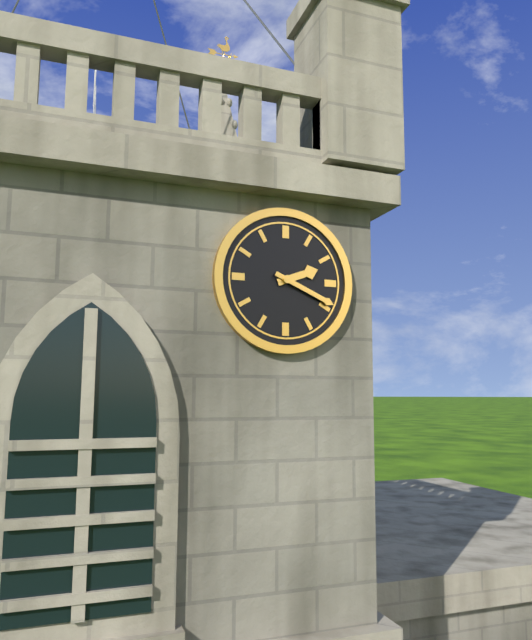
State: 2:19
